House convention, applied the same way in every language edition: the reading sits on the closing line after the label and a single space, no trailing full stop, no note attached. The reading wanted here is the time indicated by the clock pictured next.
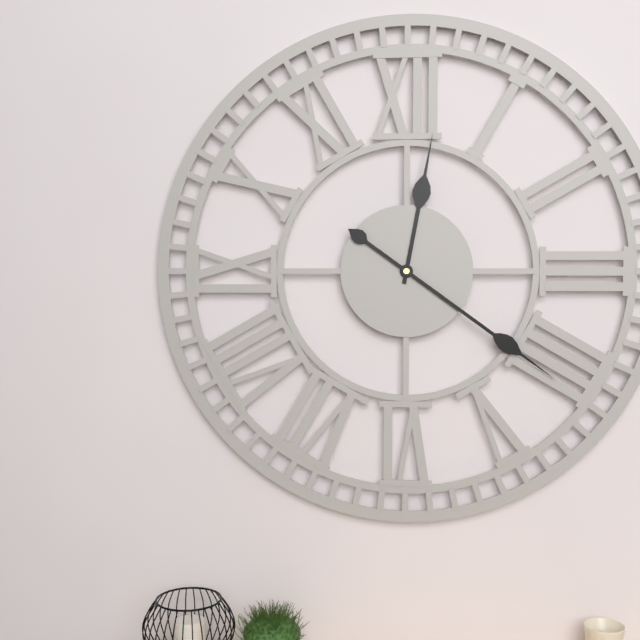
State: 12:21
